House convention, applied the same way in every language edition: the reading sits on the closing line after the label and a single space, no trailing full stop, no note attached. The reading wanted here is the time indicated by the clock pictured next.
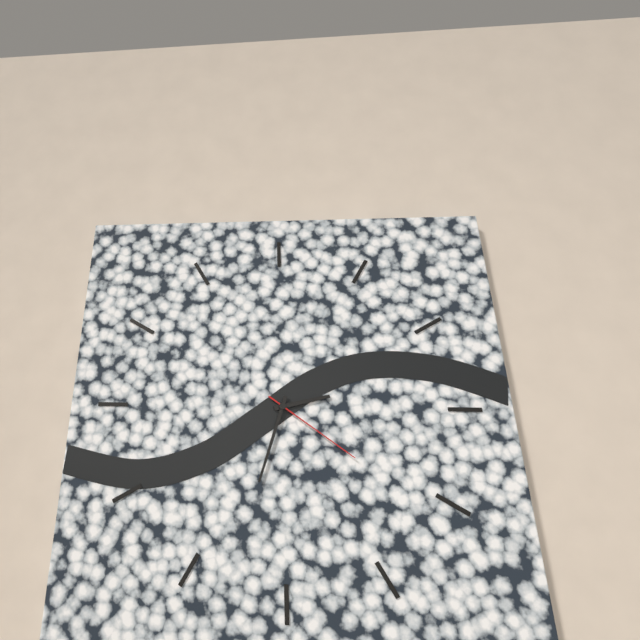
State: 2:33:21
